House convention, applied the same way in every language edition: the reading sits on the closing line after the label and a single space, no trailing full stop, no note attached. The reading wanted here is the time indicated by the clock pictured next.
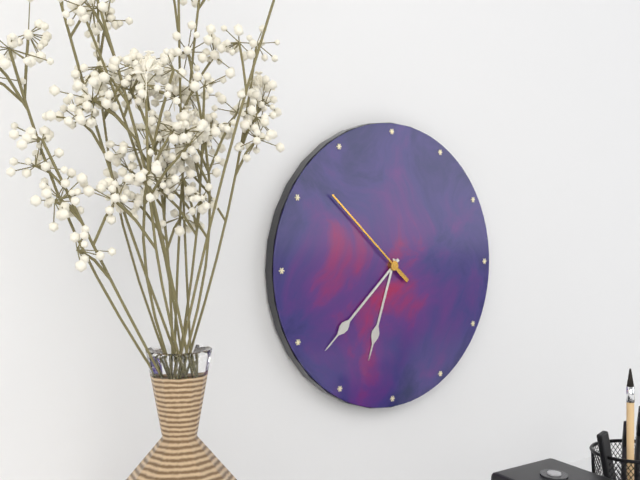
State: 6:38:52
